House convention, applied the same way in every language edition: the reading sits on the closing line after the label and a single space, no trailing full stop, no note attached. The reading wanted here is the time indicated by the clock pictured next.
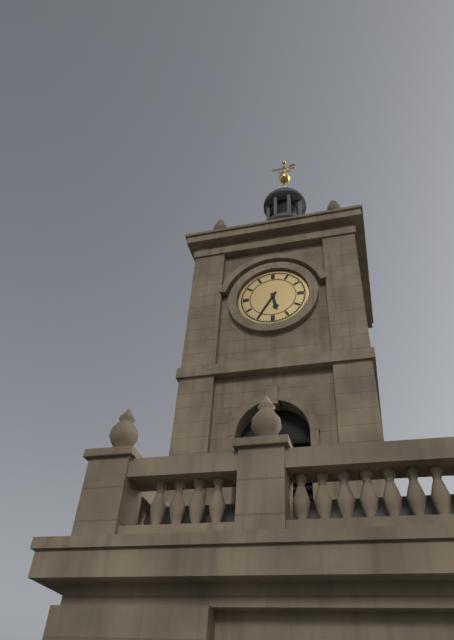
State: 5:35
